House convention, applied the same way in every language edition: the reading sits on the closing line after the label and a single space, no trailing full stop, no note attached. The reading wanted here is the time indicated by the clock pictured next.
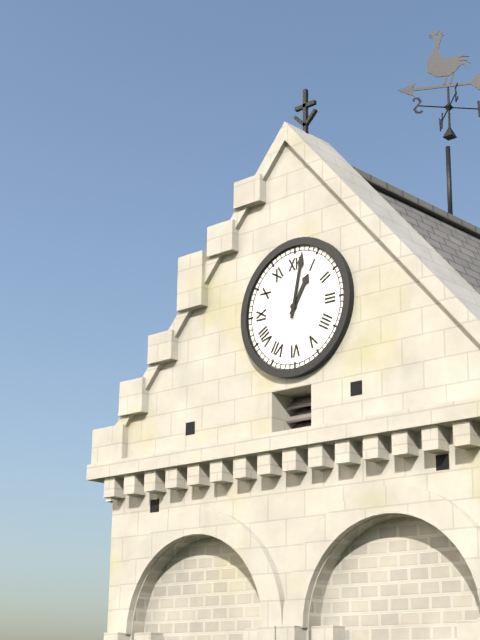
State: 1:02
